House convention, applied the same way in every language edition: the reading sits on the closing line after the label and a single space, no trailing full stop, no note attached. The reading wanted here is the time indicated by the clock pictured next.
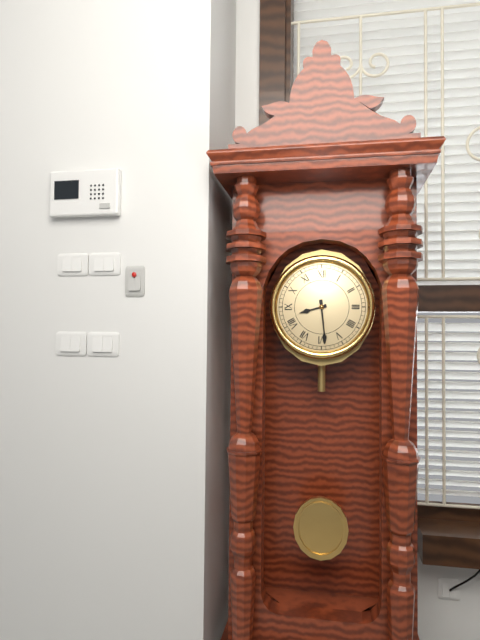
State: 8:29
